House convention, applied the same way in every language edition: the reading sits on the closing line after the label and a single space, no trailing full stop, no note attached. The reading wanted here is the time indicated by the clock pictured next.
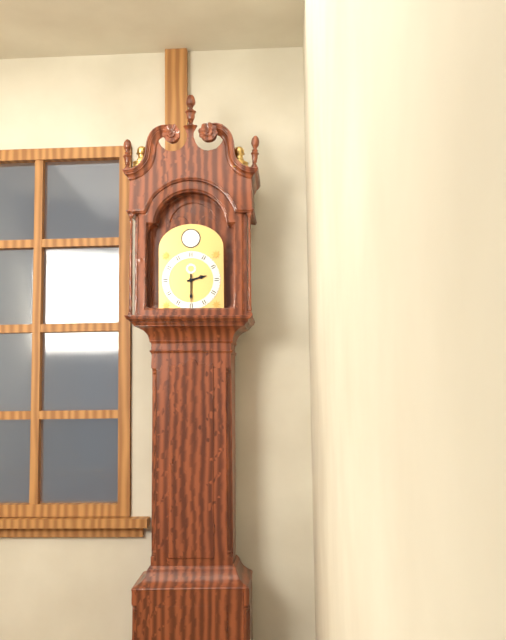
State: 2:30
